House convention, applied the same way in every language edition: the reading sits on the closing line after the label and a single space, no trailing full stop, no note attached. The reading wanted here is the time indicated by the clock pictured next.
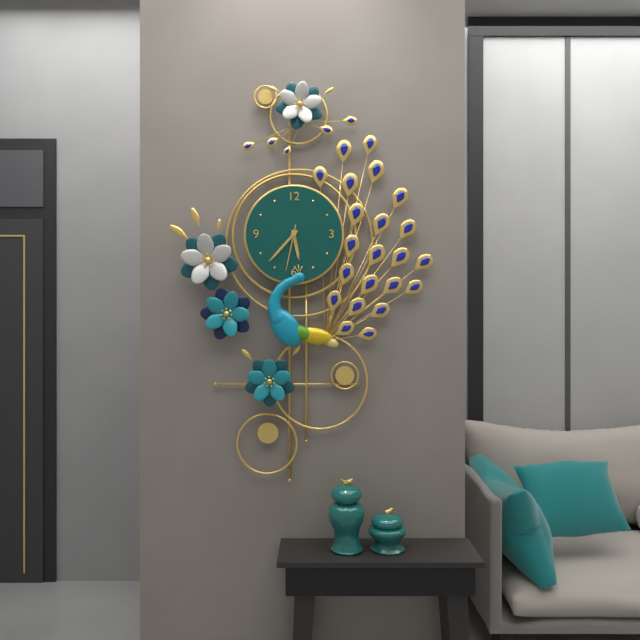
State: 5:37:32
